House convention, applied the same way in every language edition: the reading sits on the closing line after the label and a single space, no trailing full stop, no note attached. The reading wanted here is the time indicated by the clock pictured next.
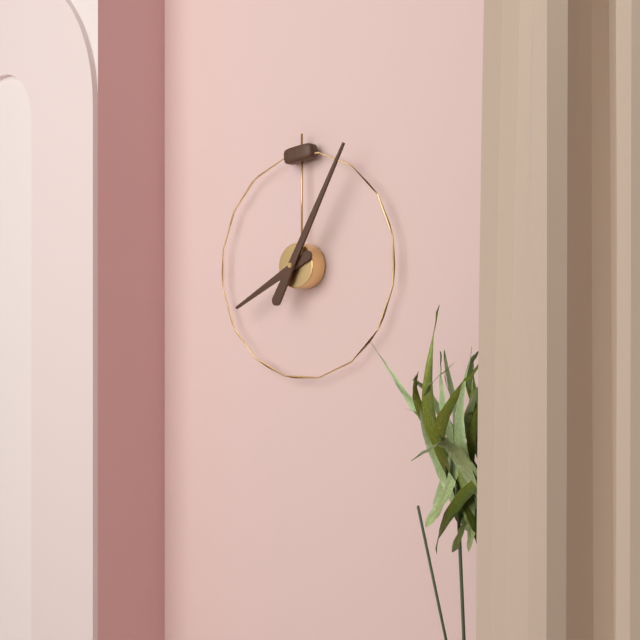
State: 8:05
